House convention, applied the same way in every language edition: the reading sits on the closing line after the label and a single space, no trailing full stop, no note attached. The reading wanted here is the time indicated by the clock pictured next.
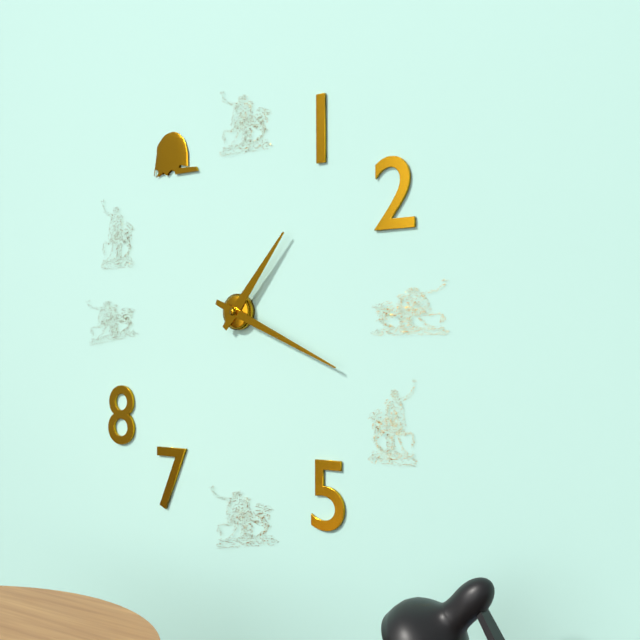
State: 1:19
